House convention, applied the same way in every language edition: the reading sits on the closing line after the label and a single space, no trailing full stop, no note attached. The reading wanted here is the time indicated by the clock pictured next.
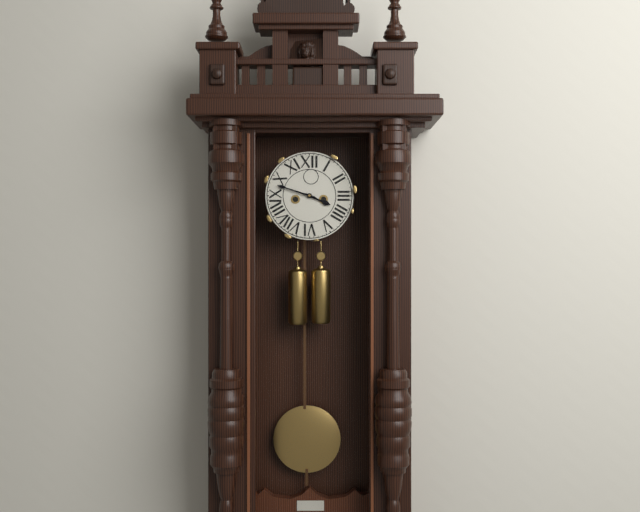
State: 3:48
